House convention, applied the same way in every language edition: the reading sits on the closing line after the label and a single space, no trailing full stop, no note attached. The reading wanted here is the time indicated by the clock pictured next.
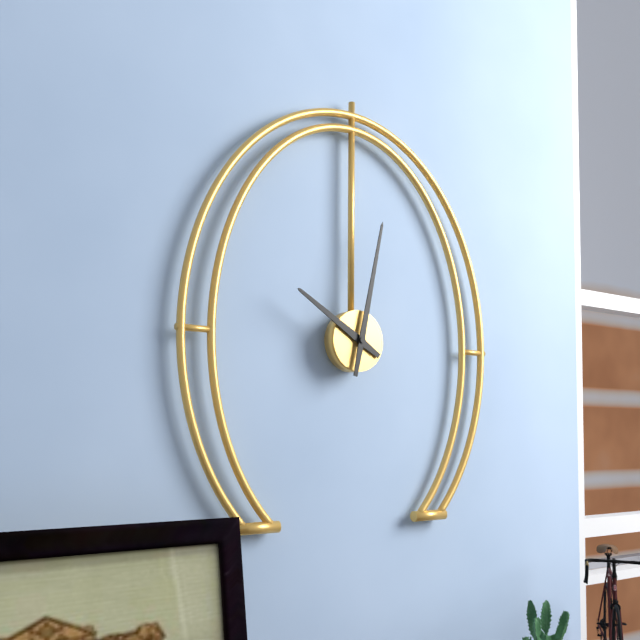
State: 10:02
